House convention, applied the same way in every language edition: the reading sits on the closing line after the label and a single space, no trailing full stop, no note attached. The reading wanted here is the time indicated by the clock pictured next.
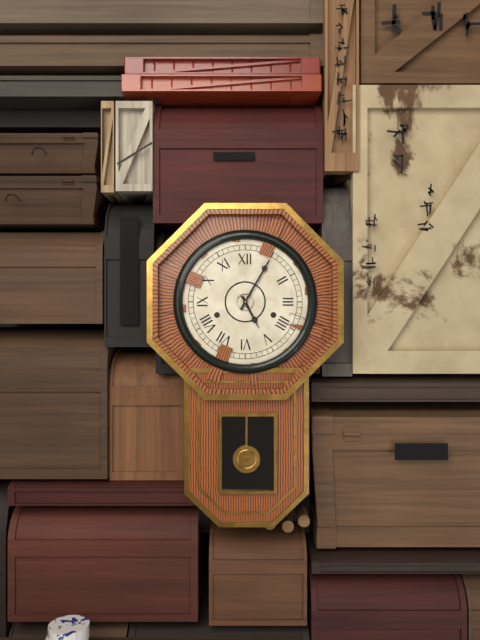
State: 5:05
